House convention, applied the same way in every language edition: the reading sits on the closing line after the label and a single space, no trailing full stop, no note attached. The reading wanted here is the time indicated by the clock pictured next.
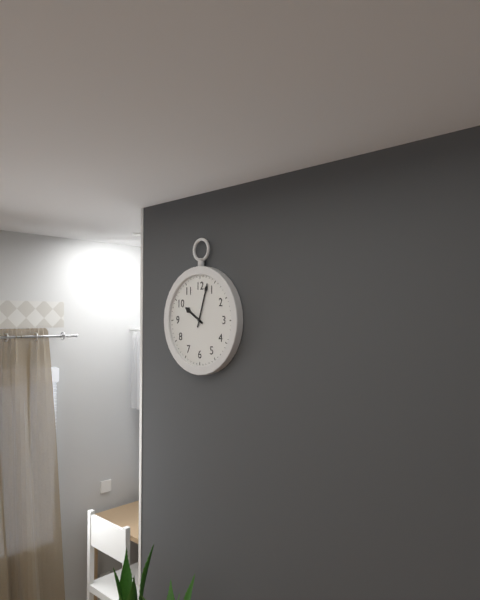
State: 10:03
